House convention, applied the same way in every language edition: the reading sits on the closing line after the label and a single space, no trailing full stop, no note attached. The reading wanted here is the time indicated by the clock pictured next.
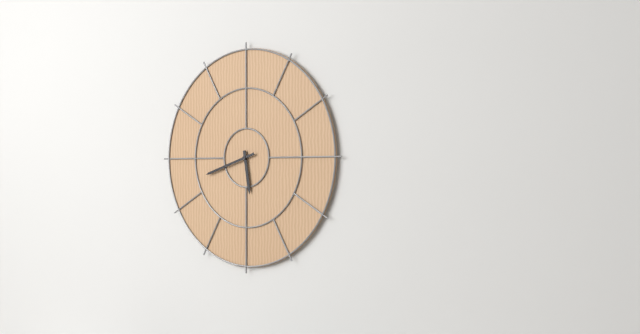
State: 5:42
